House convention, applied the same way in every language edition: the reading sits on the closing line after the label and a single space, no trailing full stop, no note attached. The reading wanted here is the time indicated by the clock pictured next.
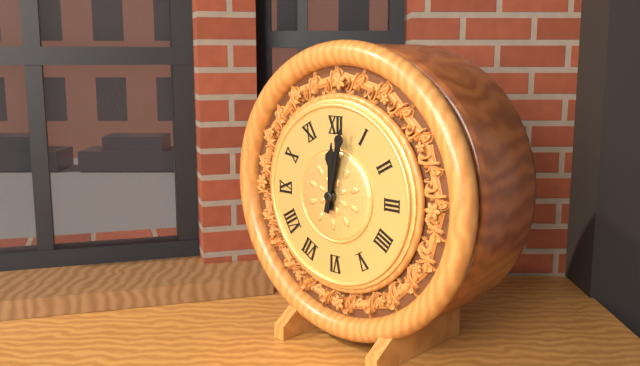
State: 12:02
